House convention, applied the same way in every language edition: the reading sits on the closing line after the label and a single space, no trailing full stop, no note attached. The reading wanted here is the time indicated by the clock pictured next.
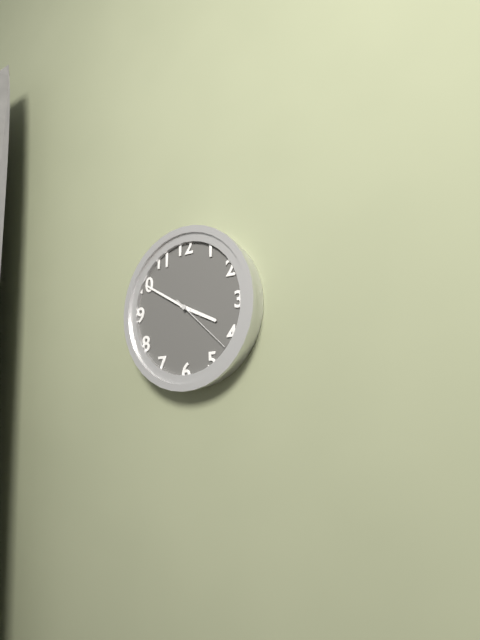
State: 3:50:22
